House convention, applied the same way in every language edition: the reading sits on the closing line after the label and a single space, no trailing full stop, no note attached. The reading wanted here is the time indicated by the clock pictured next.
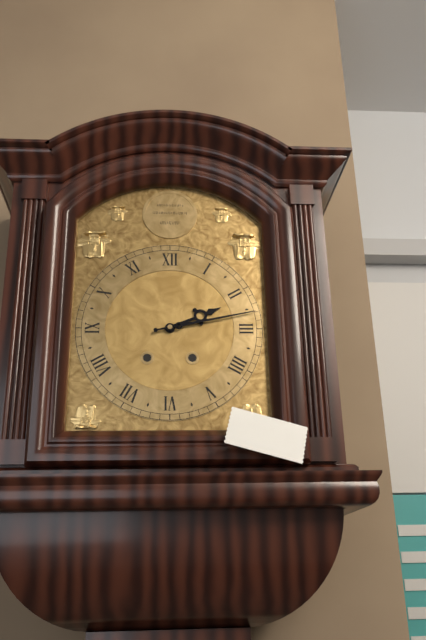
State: 2:13
